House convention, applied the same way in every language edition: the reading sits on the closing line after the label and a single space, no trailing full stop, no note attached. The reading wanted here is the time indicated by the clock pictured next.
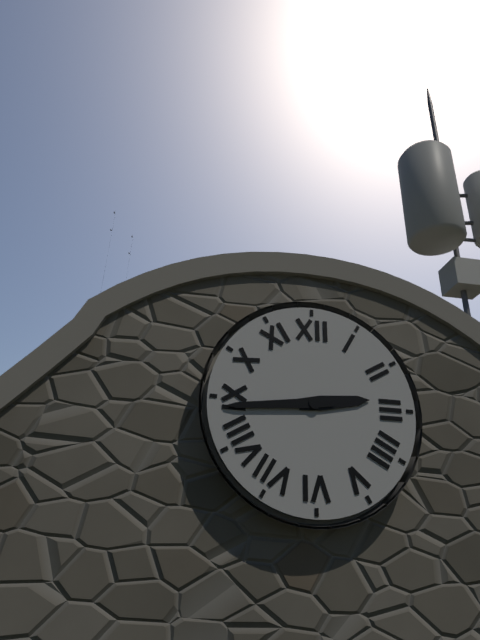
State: 2:44
